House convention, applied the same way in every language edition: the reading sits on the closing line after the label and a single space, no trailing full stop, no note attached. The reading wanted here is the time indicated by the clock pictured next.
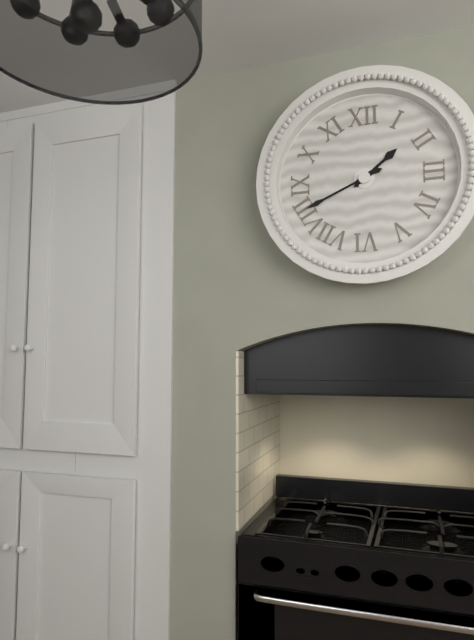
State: 1:41
